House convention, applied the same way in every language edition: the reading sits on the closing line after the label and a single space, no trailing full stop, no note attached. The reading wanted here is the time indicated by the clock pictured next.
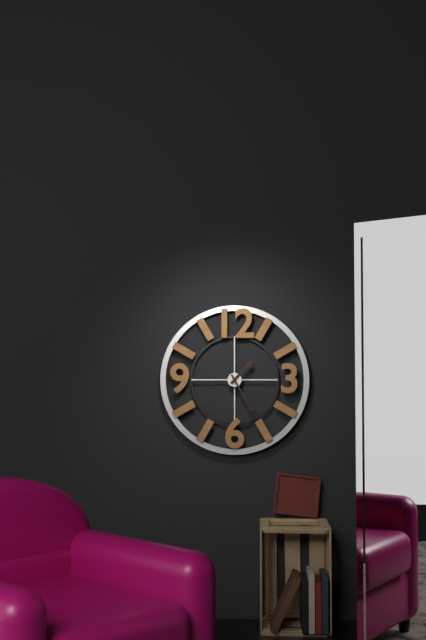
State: 1:25
